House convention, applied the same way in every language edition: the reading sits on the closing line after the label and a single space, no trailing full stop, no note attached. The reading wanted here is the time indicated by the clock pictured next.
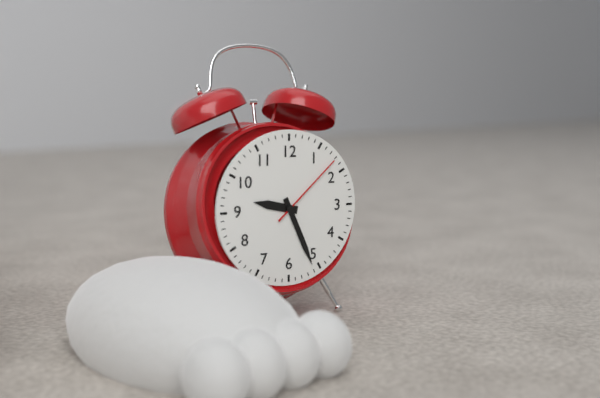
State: 9:26:08
